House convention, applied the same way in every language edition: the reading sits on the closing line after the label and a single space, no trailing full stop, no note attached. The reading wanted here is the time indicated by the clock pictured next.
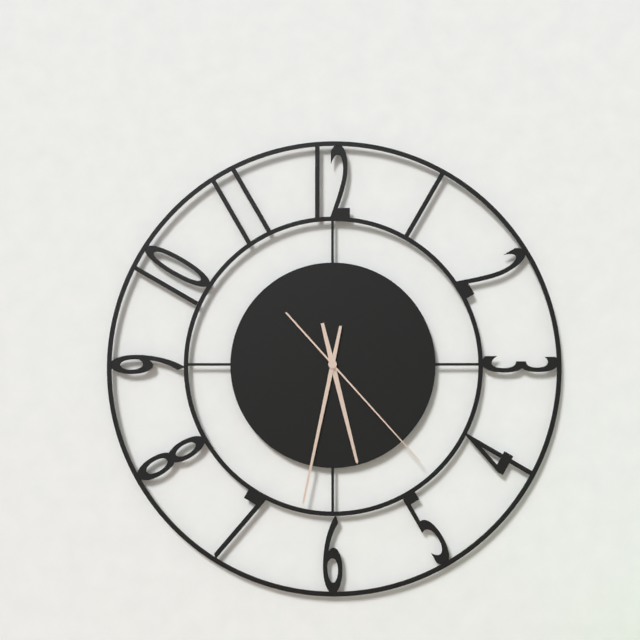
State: 5:32:23
